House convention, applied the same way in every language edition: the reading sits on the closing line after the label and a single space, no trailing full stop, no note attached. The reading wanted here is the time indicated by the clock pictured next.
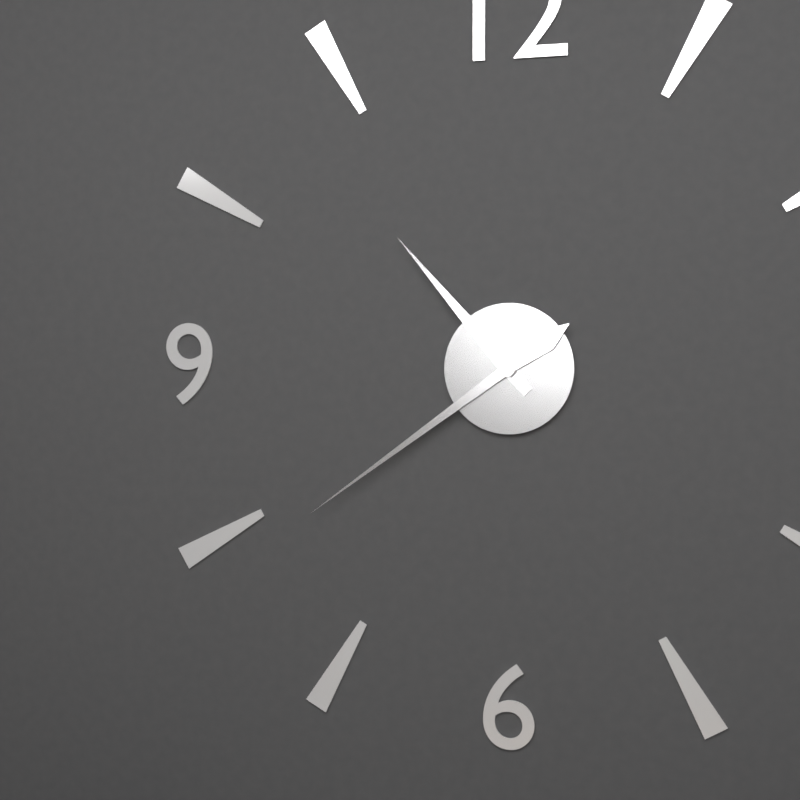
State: 10:39
